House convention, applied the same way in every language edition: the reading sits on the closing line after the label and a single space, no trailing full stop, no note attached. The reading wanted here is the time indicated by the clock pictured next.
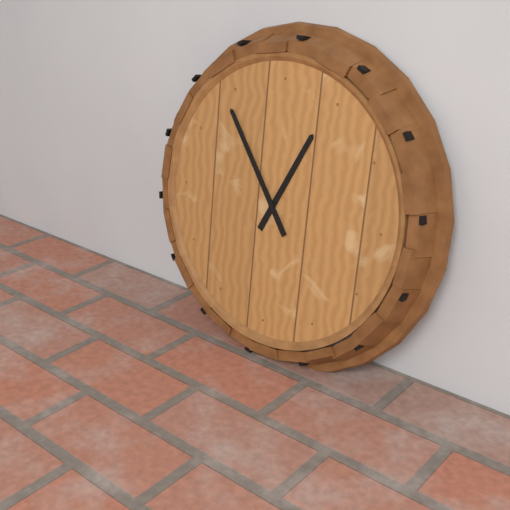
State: 12:54
